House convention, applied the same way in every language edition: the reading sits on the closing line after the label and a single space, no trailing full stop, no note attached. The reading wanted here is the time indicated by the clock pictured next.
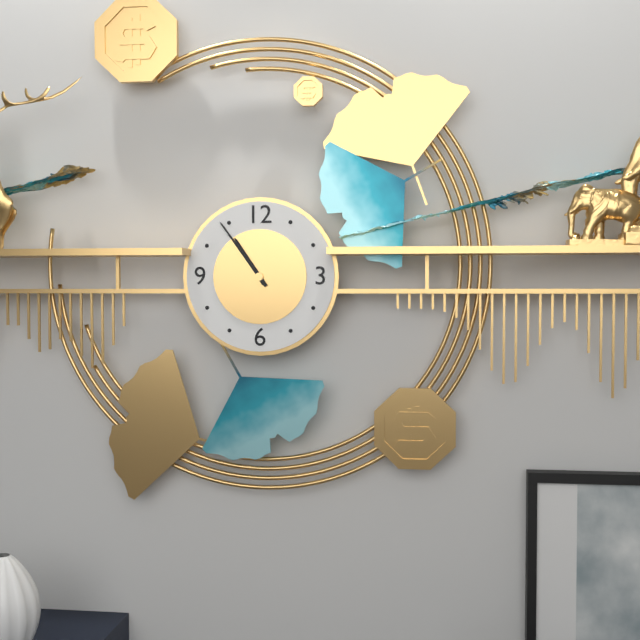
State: 10:54
